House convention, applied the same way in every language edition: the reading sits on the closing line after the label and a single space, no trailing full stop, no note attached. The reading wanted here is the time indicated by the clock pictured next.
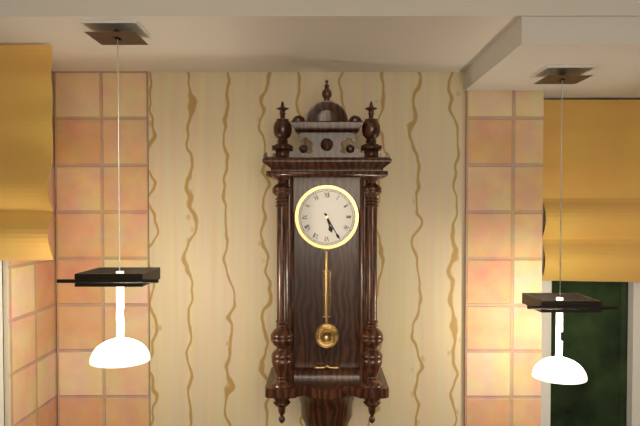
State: 5:25
